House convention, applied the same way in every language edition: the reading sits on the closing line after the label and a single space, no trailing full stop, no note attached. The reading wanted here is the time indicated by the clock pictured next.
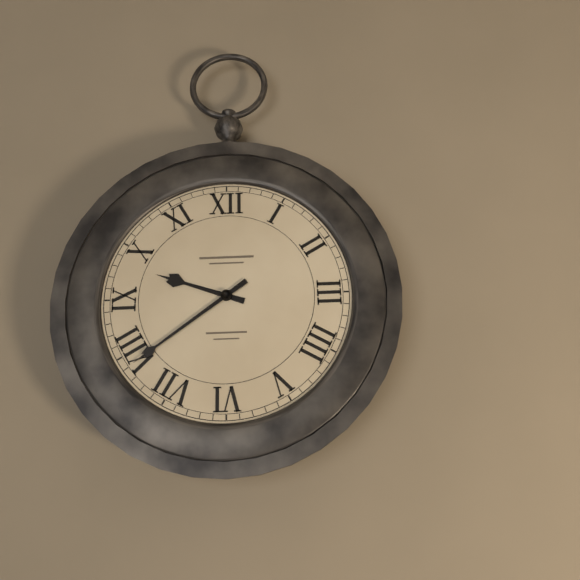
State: 9:39
